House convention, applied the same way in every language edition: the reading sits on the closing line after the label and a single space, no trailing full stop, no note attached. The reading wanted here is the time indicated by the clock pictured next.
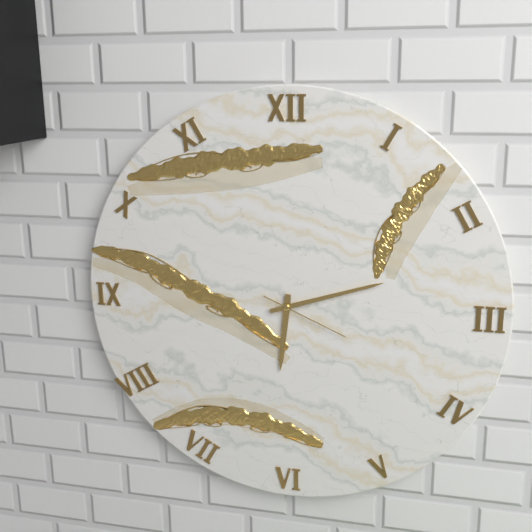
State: 6:12:19
